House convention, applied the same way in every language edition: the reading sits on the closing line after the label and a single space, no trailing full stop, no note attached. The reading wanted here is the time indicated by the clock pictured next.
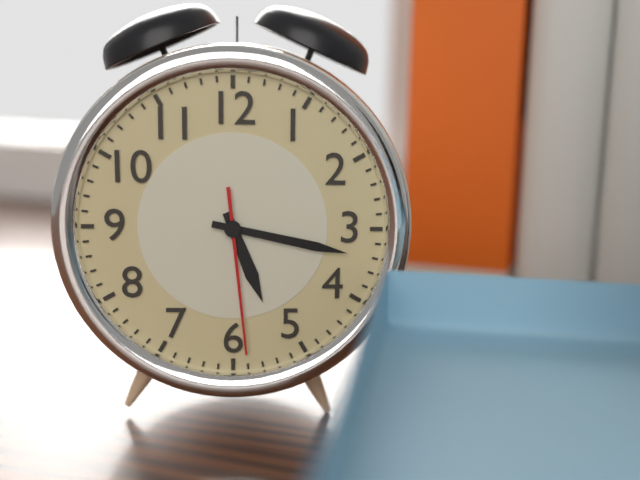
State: 5:17:29
